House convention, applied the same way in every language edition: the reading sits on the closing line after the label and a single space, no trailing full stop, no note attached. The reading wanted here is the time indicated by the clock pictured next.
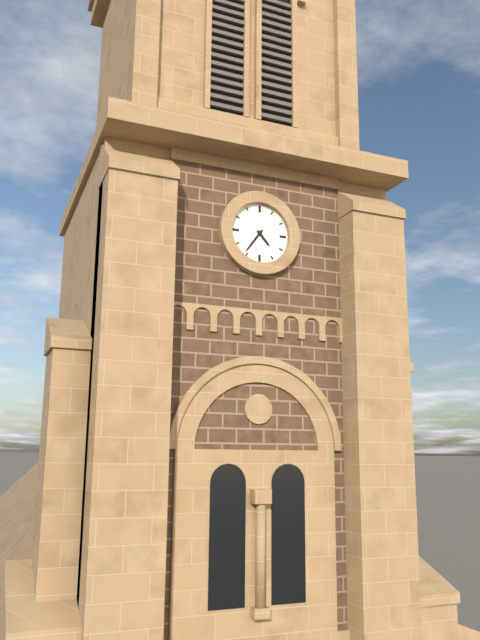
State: 4:36
